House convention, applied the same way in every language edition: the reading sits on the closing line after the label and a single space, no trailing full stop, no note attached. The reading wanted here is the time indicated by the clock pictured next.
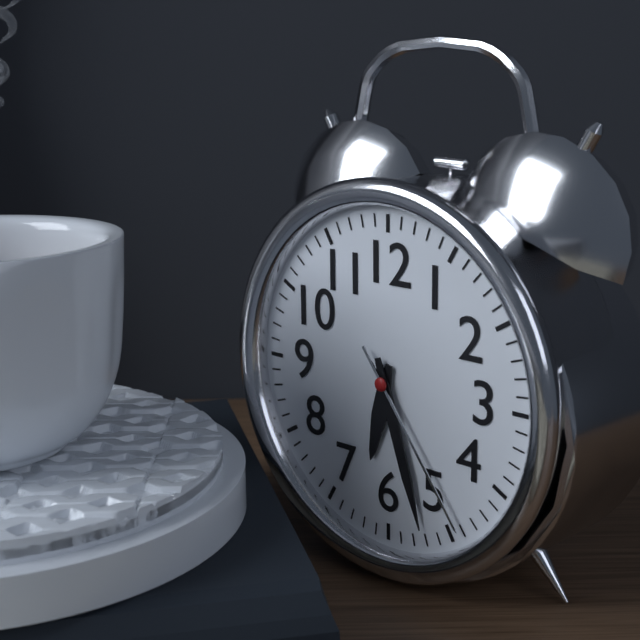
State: 6:27:24
